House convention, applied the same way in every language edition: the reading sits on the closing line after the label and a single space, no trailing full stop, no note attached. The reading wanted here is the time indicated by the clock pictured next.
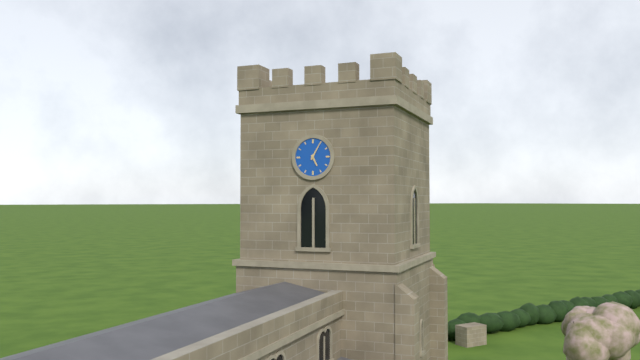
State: 5:05
